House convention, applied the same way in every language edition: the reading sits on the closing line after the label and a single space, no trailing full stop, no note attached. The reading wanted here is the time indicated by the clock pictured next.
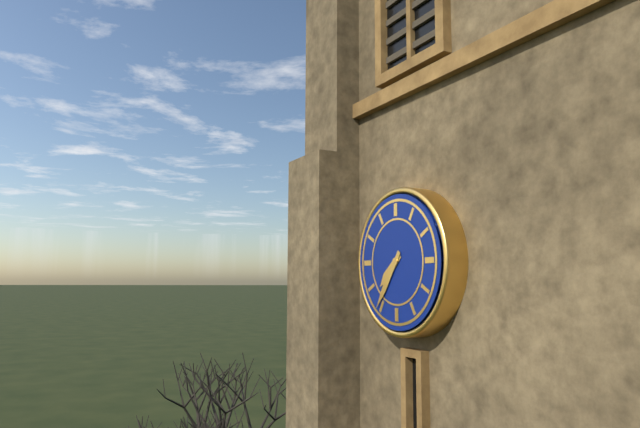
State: 7:36
